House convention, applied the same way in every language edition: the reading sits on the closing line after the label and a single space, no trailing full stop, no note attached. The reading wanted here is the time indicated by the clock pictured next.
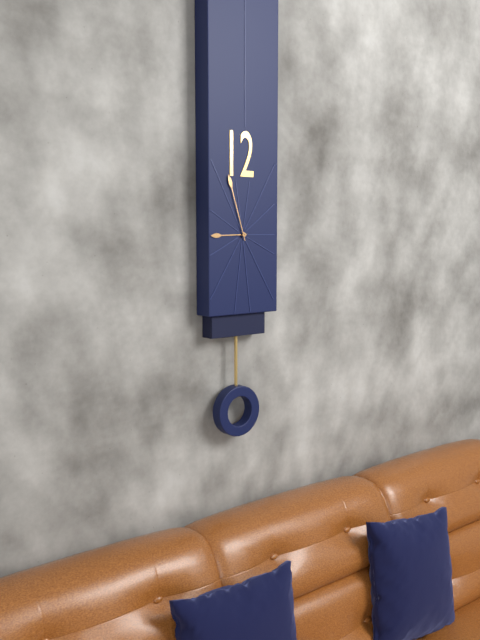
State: 8:57
